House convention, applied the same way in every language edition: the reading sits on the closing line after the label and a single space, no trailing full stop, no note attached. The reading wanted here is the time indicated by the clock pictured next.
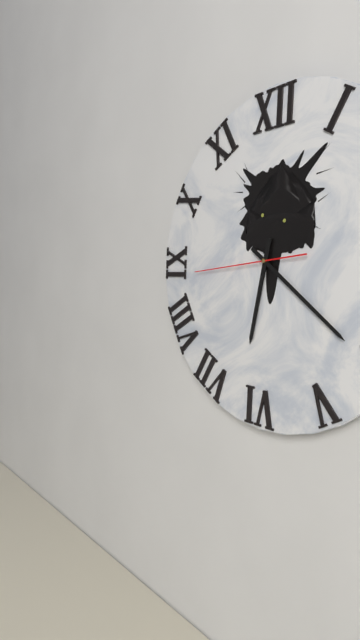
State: 6:21:44
